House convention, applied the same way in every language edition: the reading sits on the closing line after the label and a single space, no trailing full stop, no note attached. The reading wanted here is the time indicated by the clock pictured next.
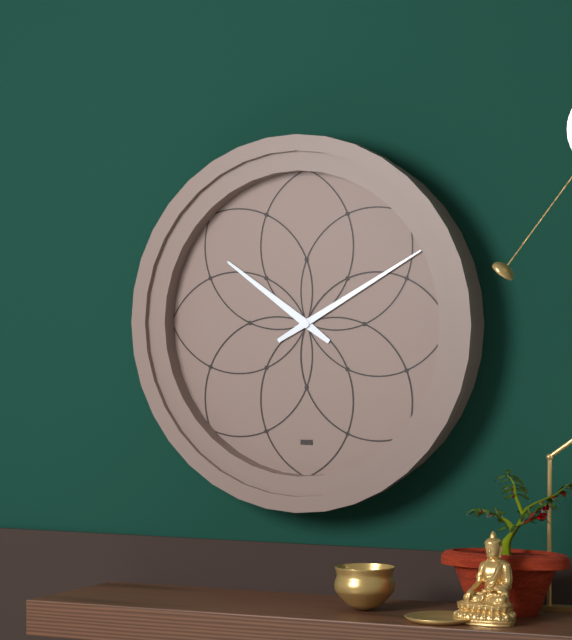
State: 10:10
